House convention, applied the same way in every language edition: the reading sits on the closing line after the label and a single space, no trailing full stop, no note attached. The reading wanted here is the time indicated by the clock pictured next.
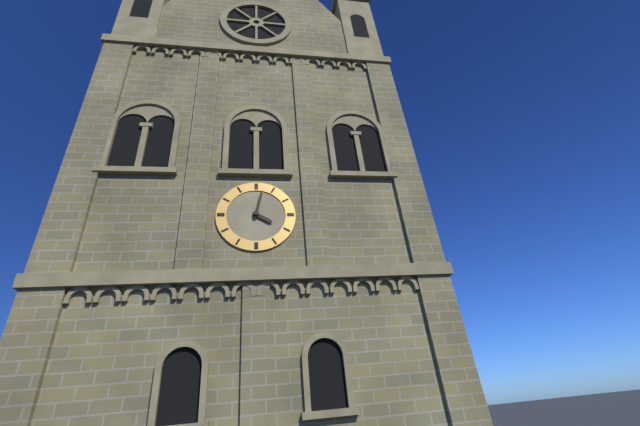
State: 4:02
